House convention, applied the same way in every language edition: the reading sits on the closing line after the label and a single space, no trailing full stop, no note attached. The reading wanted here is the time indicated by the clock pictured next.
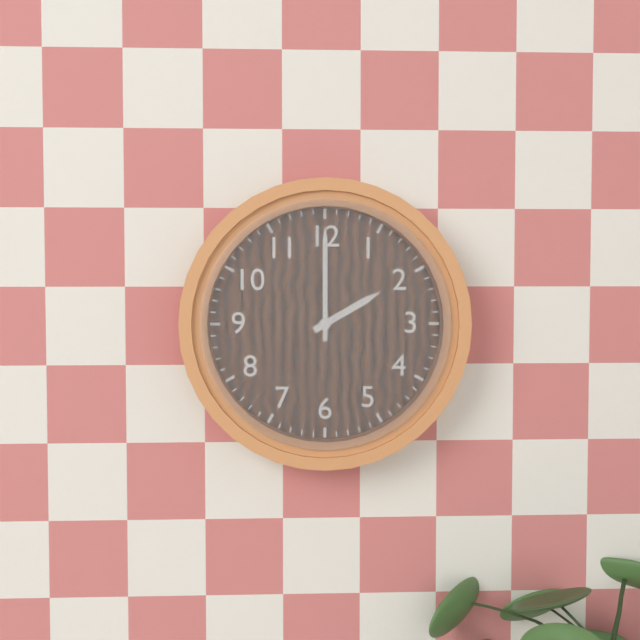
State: 2:00
